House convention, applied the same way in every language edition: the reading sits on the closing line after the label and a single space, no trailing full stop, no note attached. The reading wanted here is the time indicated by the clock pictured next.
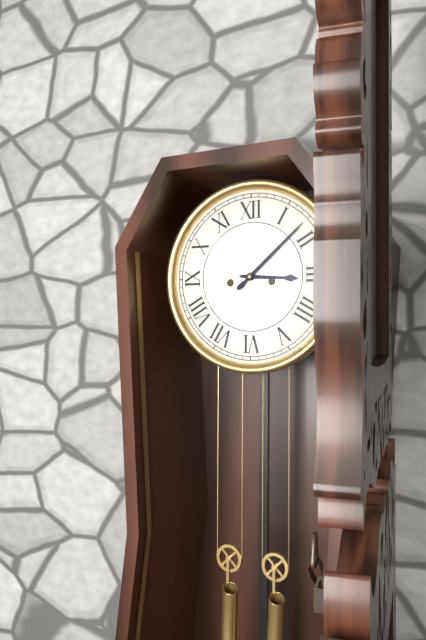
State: 3:08
